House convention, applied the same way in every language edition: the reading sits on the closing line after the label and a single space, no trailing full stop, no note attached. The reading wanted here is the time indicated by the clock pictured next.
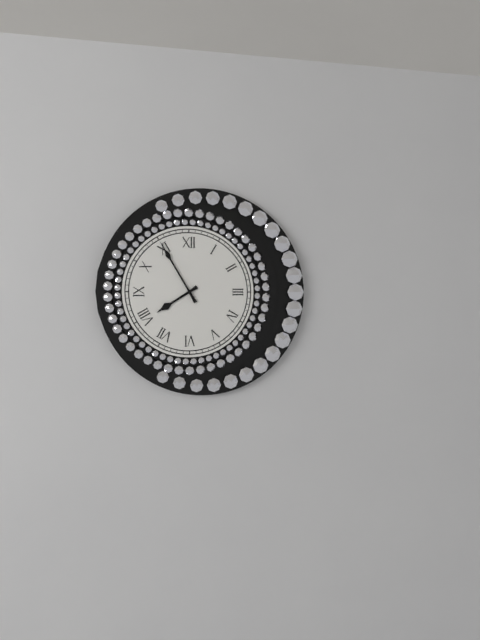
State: 7:55
